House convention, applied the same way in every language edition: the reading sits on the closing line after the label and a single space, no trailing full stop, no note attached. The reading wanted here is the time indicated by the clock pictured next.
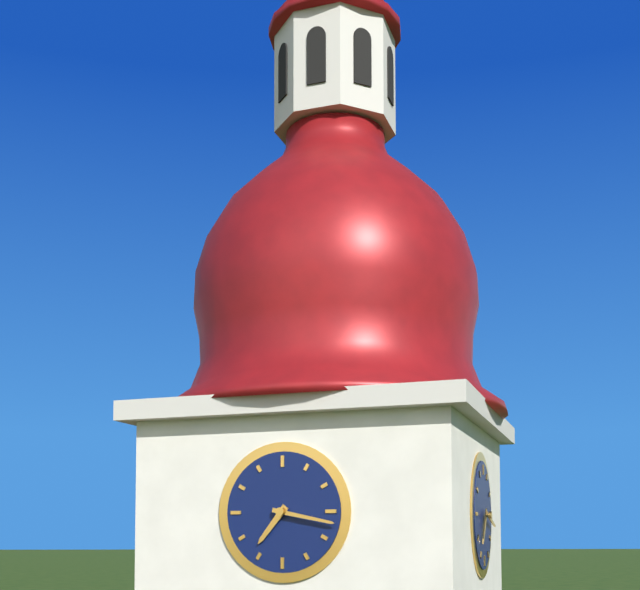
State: 7:17
